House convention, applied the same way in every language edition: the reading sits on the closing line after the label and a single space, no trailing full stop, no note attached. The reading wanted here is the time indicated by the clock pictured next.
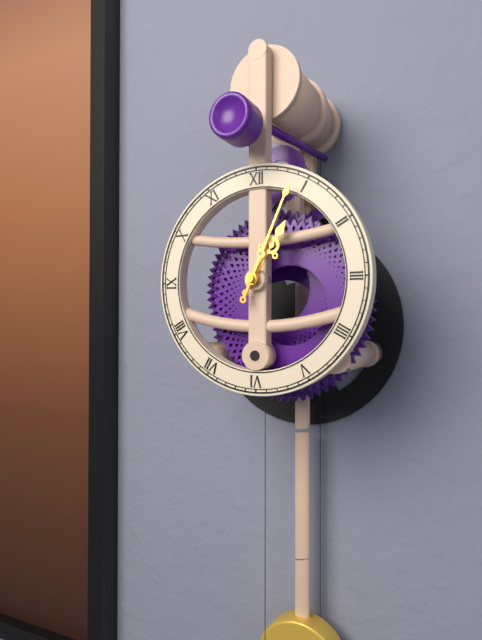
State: 1:04
